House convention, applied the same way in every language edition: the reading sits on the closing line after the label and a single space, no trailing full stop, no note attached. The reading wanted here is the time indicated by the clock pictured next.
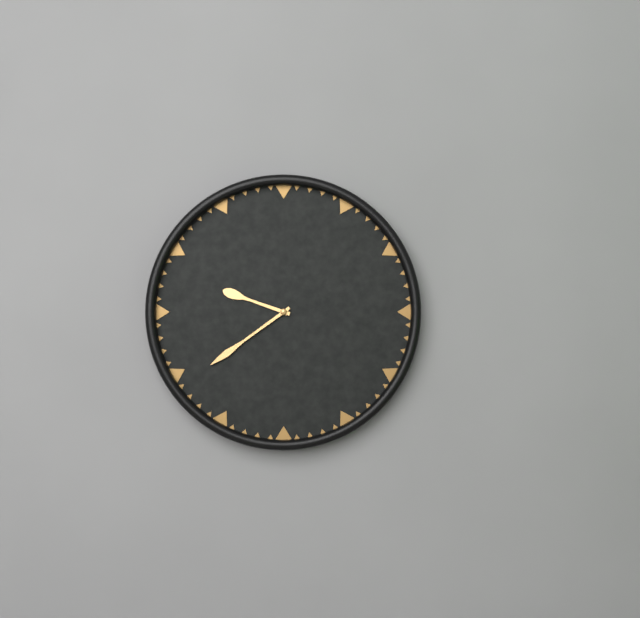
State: 9:39
